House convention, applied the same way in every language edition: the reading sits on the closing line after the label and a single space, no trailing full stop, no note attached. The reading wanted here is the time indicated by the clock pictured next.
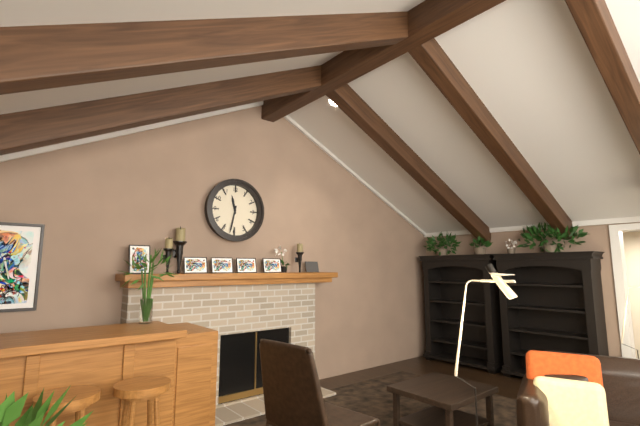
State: 11:32
